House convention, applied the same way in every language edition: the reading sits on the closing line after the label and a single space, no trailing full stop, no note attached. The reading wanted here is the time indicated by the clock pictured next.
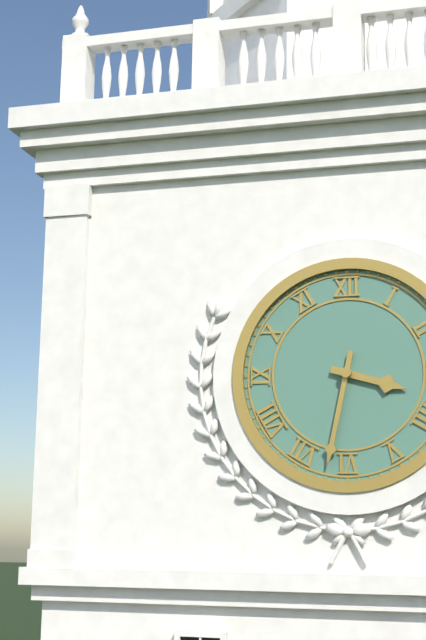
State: 3:32
